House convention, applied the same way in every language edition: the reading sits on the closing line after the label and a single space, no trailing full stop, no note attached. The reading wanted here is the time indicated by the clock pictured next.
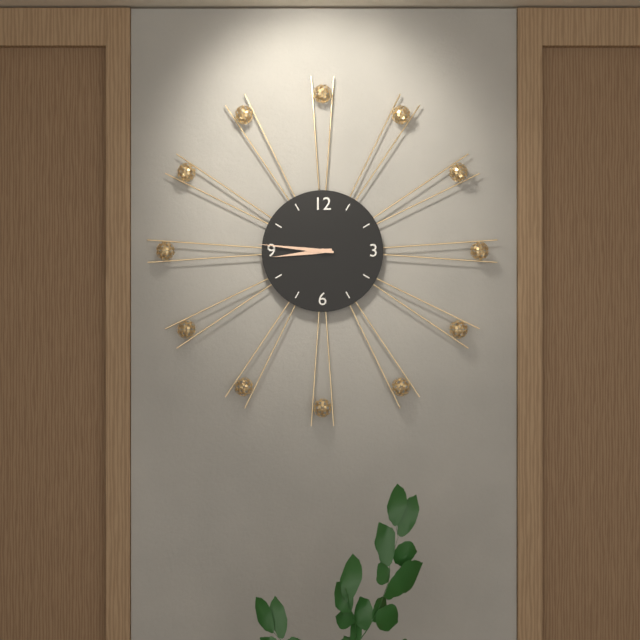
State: 8:46
